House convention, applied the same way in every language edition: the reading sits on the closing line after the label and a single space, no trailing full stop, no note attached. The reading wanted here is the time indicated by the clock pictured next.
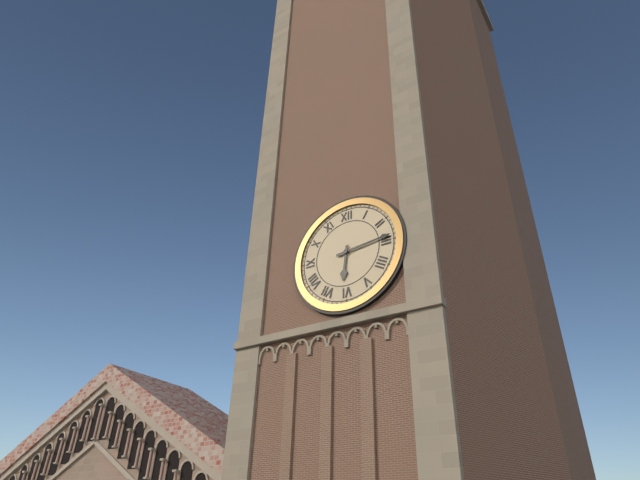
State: 6:14
